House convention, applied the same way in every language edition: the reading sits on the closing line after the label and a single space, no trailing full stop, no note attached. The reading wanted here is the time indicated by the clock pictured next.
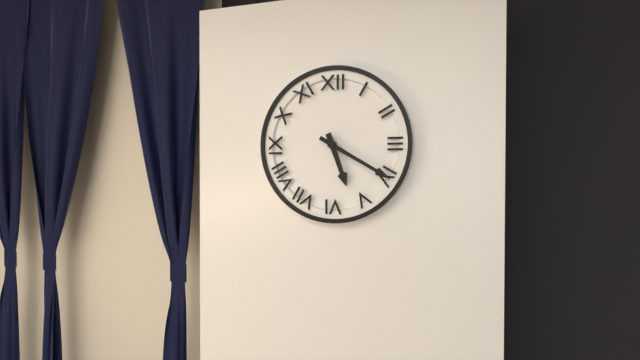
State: 5:20
